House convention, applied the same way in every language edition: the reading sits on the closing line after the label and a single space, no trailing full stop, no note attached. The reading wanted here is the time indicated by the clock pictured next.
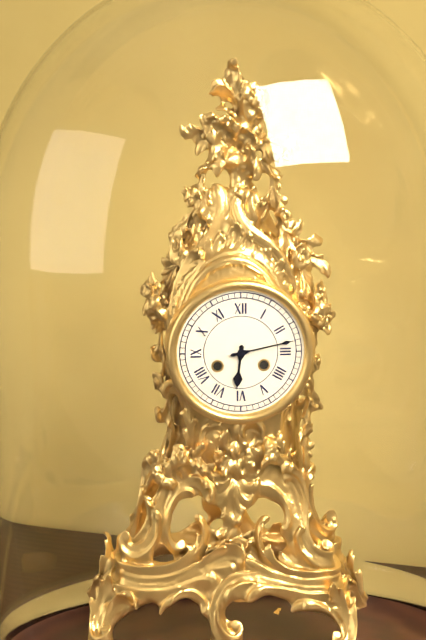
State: 6:13
